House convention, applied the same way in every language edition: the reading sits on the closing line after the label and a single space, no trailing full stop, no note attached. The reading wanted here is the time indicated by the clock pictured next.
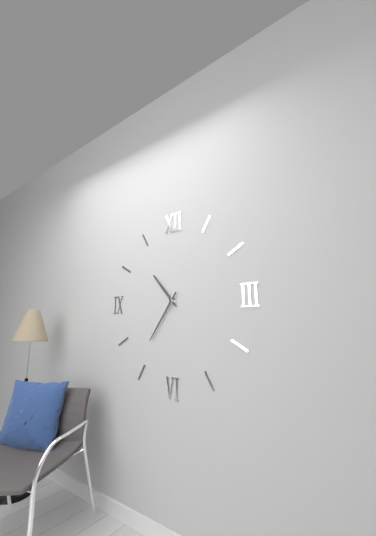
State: 10:36
